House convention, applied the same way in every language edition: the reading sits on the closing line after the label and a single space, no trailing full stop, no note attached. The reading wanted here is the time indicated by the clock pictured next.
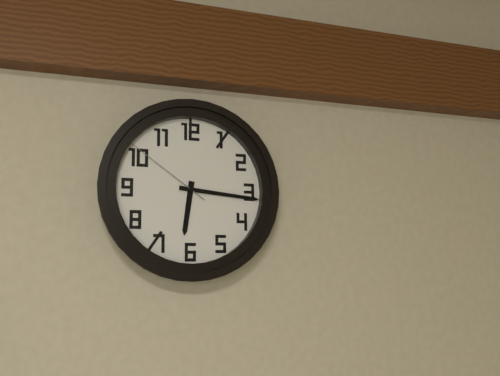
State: 6:16:51
